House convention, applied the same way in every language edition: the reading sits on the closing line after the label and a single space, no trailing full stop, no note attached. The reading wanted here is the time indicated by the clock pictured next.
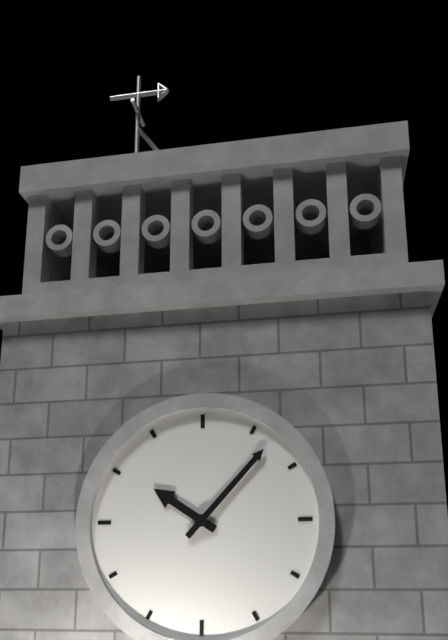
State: 10:07
